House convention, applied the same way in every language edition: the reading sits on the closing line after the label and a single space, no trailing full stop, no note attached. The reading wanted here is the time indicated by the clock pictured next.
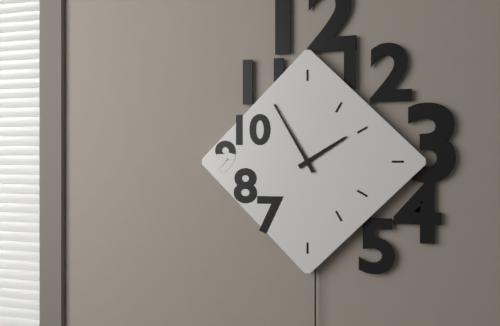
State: 1:55
